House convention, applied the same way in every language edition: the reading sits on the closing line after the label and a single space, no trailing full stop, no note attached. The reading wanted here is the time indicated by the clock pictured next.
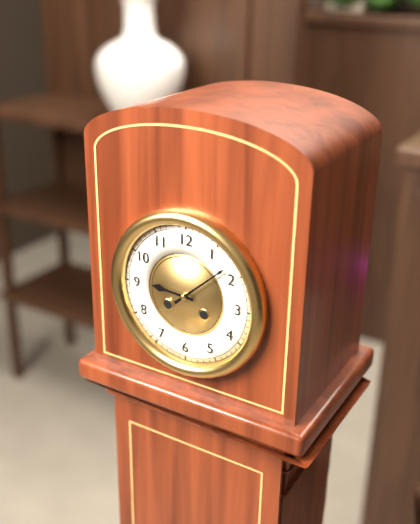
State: 9:08
